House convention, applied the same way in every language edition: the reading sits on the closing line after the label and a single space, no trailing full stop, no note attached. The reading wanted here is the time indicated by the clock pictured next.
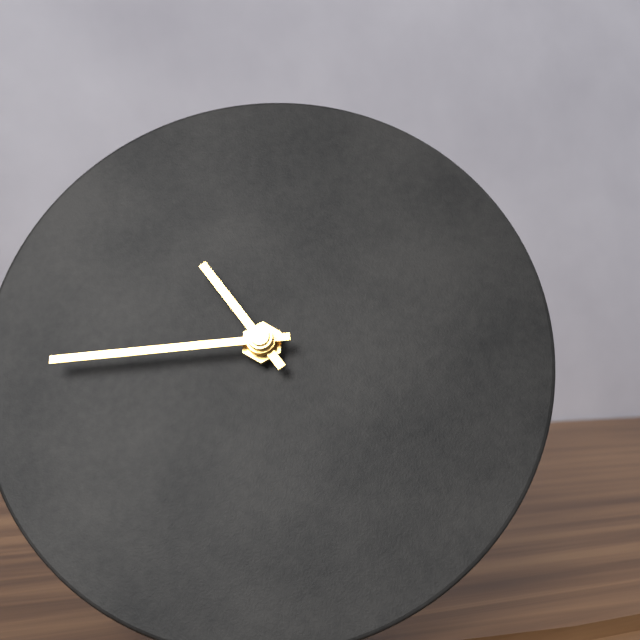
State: 10:44
